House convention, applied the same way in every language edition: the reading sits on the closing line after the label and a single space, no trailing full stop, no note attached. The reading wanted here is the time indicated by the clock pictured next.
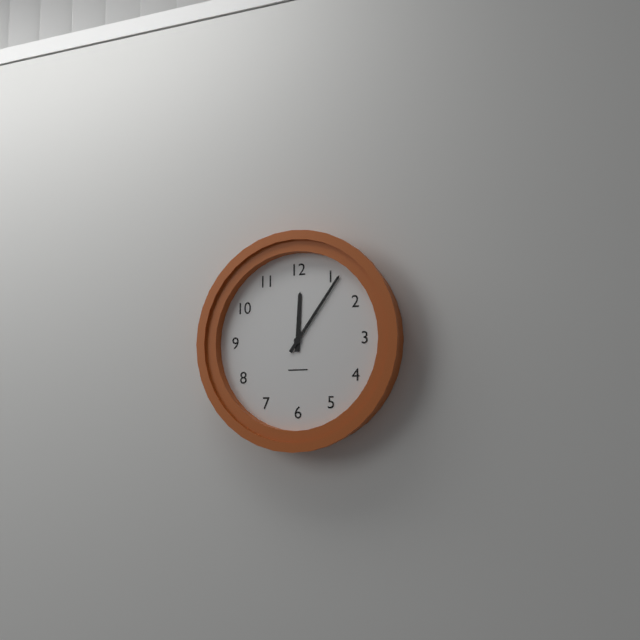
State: 12:06
